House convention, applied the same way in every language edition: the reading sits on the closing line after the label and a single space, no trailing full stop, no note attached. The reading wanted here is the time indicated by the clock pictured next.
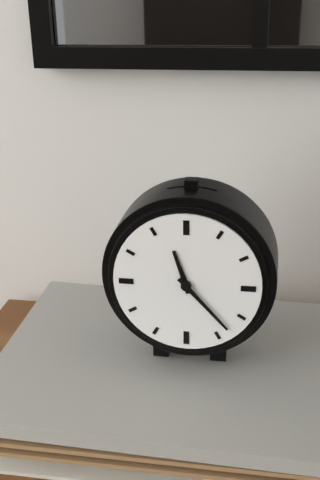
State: 11:23
